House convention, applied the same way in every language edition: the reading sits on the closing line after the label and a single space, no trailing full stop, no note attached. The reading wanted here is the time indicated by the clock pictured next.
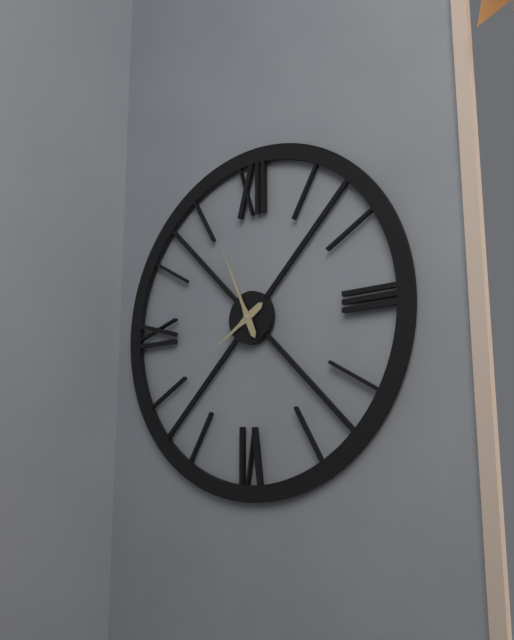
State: 7:56
